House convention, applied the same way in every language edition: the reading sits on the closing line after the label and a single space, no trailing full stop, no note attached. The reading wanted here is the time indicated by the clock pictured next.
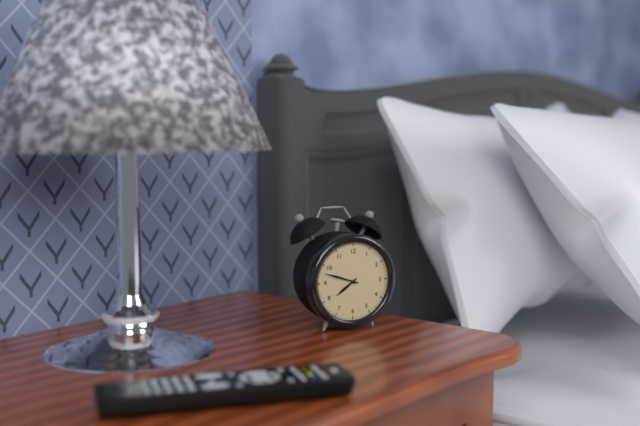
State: 7:48
